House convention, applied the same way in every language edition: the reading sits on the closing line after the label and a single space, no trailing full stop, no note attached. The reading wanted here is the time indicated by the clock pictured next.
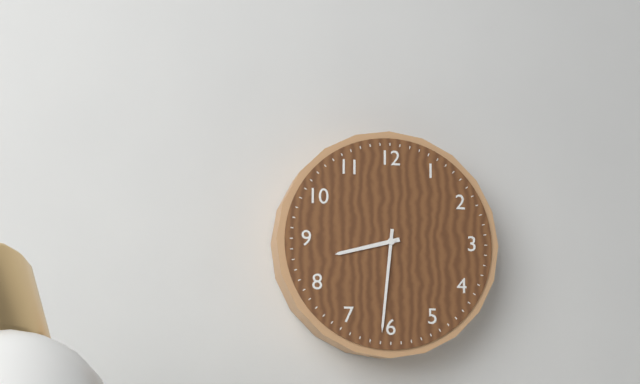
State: 8:31
